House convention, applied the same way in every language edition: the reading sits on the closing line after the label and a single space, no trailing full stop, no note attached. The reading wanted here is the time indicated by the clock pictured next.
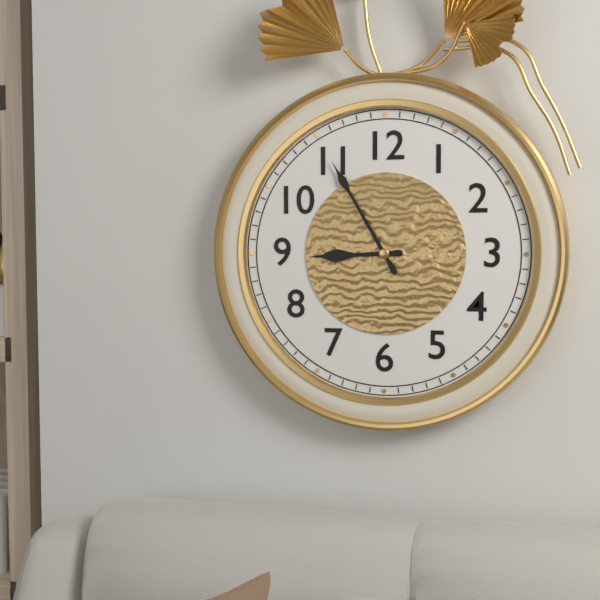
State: 8:55
